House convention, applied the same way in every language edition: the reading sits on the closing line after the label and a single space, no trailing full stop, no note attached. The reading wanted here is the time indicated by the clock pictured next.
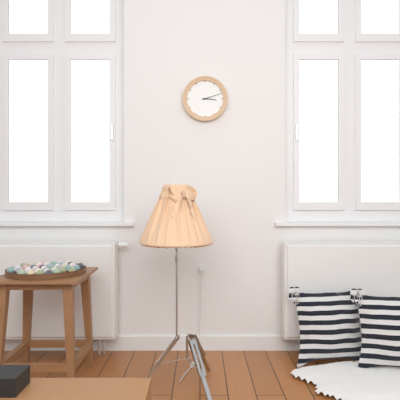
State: 3:12
